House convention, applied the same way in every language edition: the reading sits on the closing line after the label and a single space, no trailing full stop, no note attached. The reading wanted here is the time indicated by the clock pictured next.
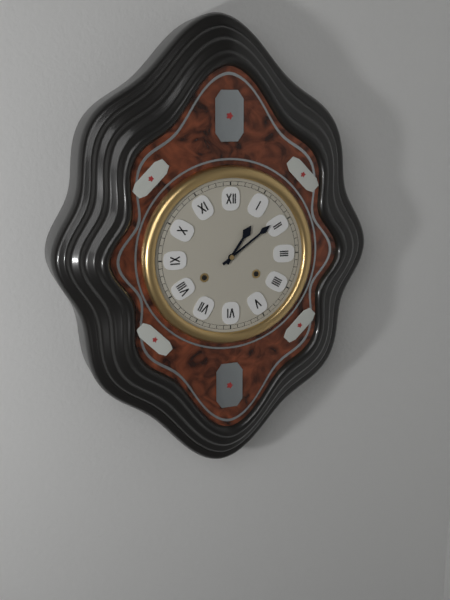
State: 1:09
